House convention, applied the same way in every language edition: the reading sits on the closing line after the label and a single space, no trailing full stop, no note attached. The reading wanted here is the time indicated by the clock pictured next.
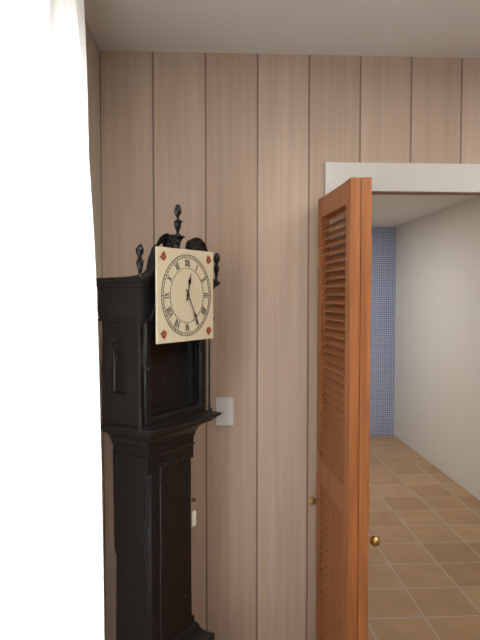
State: 12:25
